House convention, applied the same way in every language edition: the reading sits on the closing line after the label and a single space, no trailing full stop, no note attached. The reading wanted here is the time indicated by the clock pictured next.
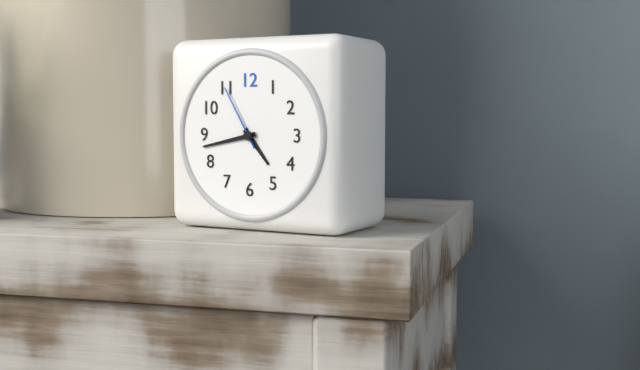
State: 4:43:55
